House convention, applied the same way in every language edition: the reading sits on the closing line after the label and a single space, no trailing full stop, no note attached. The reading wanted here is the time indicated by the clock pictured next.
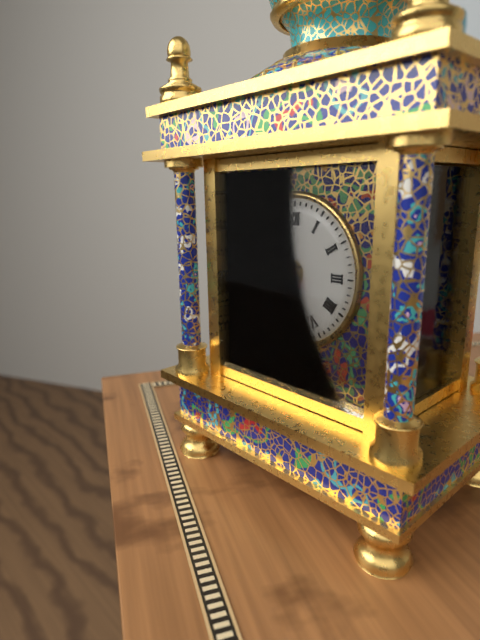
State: 6:52:52
